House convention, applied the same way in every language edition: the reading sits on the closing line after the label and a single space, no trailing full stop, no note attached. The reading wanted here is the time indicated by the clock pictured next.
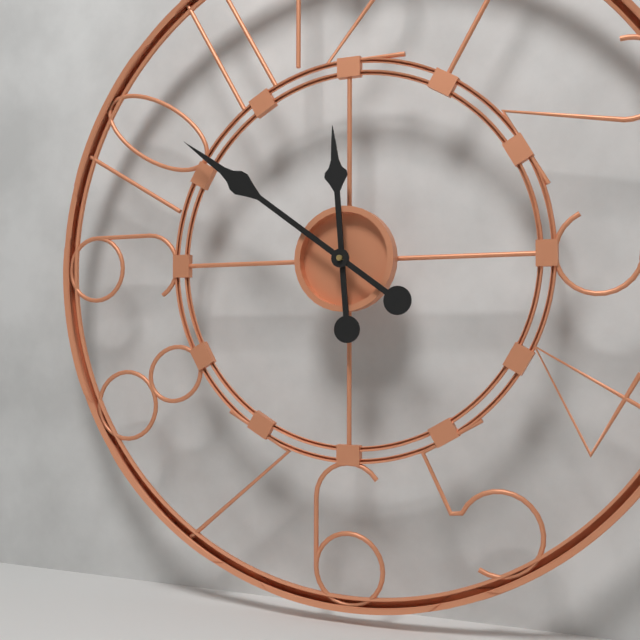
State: 11:51
